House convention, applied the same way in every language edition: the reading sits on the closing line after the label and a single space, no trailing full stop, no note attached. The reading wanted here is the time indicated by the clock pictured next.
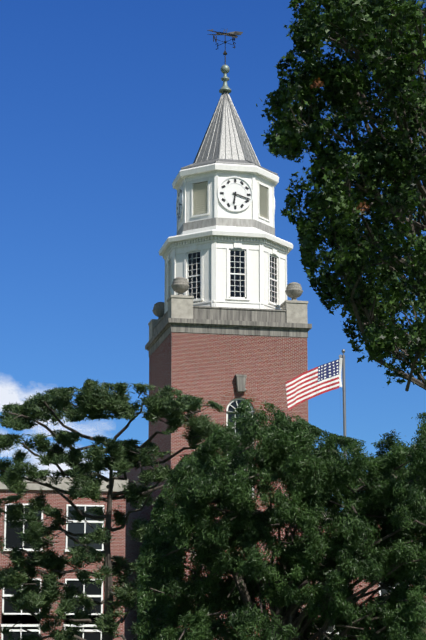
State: 6:18
